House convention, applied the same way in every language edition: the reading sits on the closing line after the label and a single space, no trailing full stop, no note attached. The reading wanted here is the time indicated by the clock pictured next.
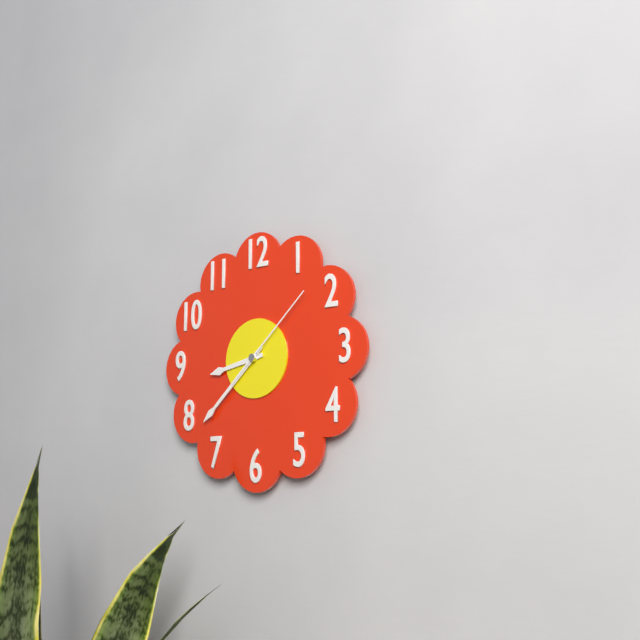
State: 8:38:08
